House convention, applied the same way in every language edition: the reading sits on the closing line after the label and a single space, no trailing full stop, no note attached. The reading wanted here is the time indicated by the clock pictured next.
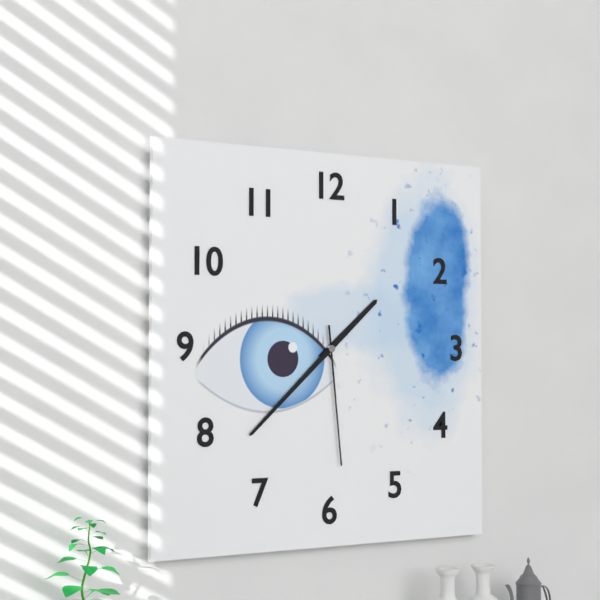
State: 1:38:29
